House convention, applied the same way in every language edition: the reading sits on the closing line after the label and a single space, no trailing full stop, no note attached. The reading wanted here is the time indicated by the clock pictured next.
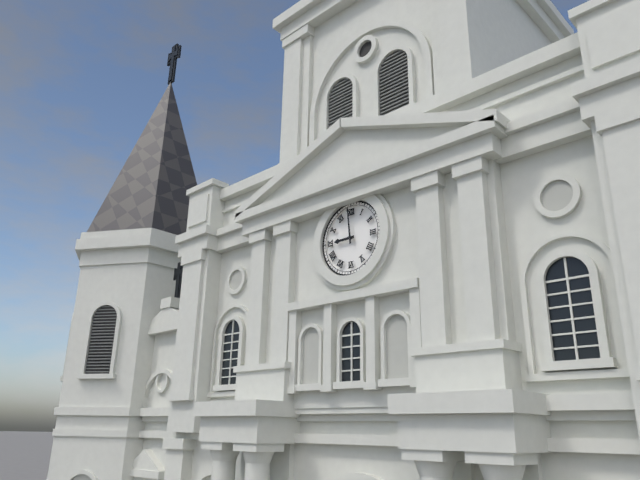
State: 8:59
